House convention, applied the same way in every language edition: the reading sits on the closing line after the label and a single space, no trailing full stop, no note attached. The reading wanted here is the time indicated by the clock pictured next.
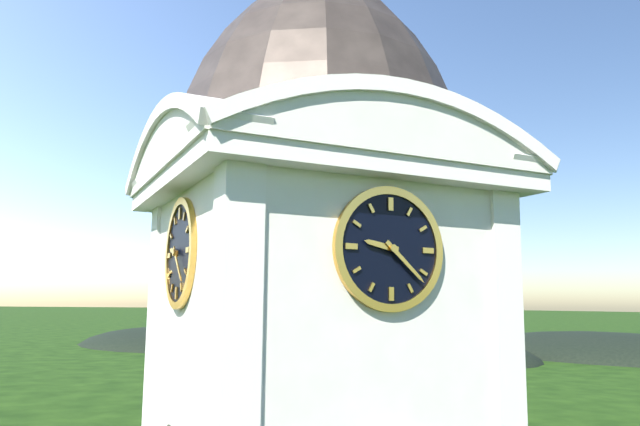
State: 9:22
